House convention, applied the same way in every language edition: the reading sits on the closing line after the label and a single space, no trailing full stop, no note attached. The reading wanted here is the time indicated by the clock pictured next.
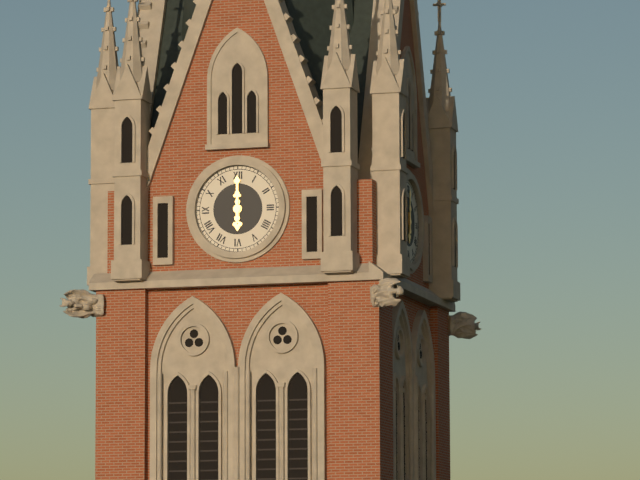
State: 6:00
